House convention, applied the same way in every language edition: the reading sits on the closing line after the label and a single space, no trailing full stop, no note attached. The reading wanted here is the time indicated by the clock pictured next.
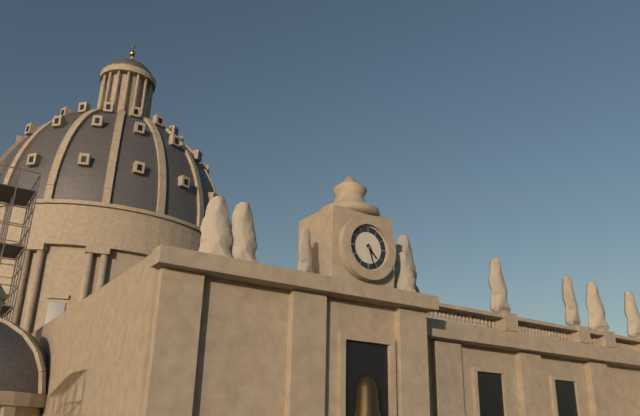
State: 4:27
